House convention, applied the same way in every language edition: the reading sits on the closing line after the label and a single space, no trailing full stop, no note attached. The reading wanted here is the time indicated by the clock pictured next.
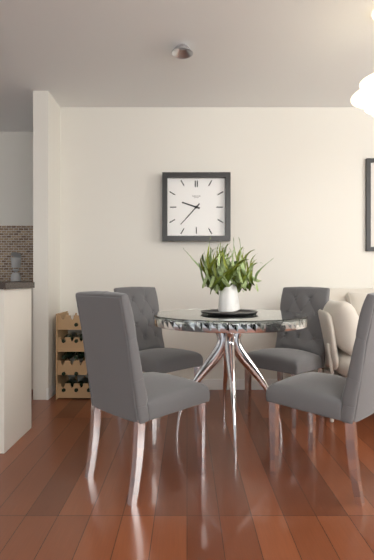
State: 9:37
